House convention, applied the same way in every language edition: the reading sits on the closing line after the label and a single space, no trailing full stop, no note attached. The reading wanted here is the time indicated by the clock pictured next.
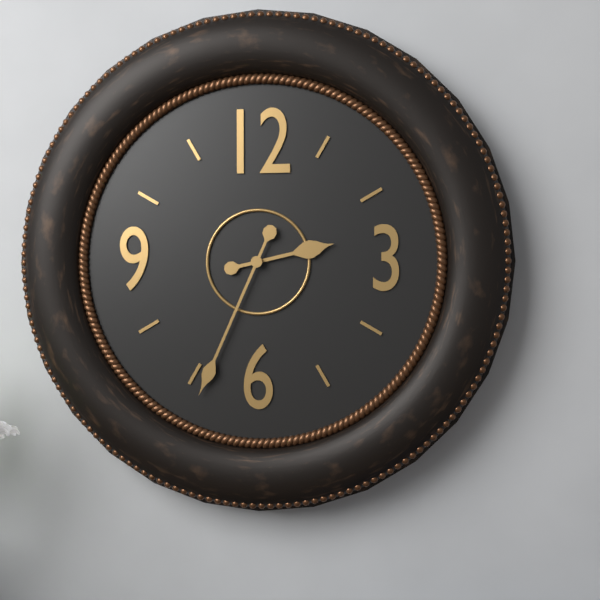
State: 2:34
